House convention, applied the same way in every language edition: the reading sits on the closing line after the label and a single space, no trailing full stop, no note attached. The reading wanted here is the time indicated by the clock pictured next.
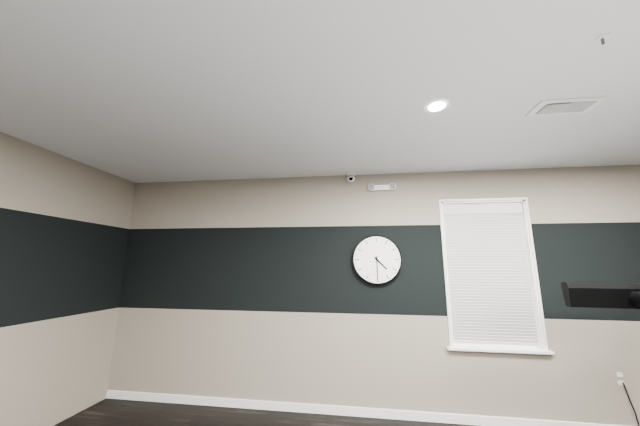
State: 4:30
